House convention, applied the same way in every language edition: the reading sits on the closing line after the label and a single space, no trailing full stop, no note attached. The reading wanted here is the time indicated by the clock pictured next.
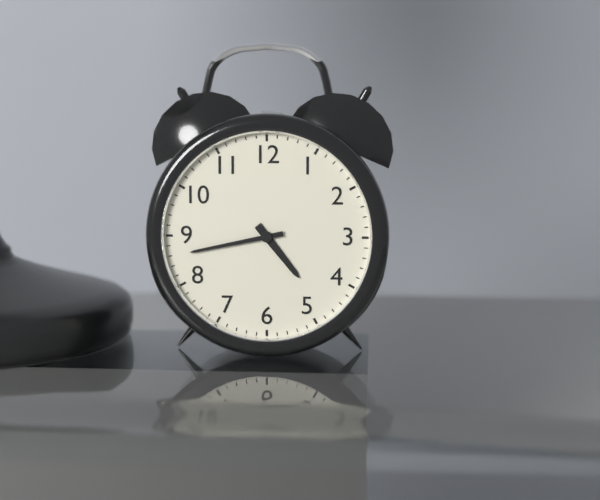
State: 4:43
